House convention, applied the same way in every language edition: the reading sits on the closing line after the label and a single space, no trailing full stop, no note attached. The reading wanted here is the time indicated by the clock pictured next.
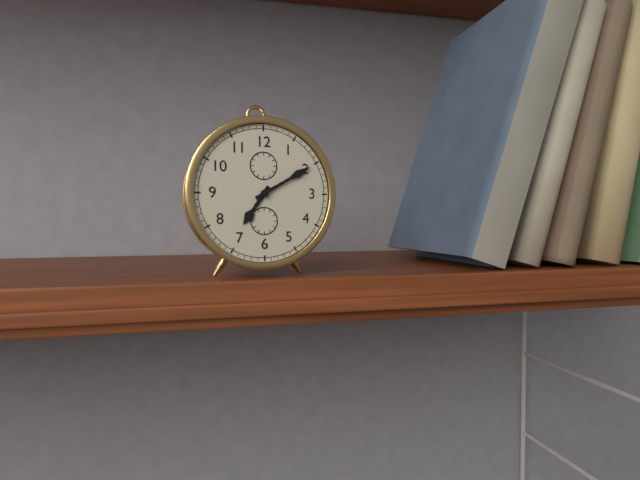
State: 7:10
